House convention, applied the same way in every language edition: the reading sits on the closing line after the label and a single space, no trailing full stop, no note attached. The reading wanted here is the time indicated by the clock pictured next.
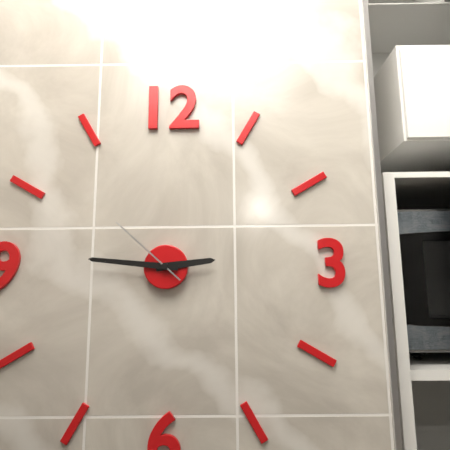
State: 2:46:52
